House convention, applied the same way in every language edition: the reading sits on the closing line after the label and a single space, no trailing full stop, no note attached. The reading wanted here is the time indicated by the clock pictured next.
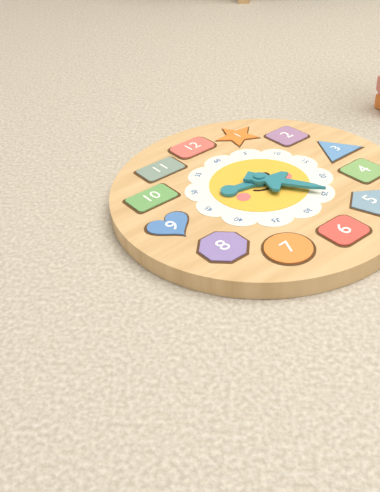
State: 9:25
